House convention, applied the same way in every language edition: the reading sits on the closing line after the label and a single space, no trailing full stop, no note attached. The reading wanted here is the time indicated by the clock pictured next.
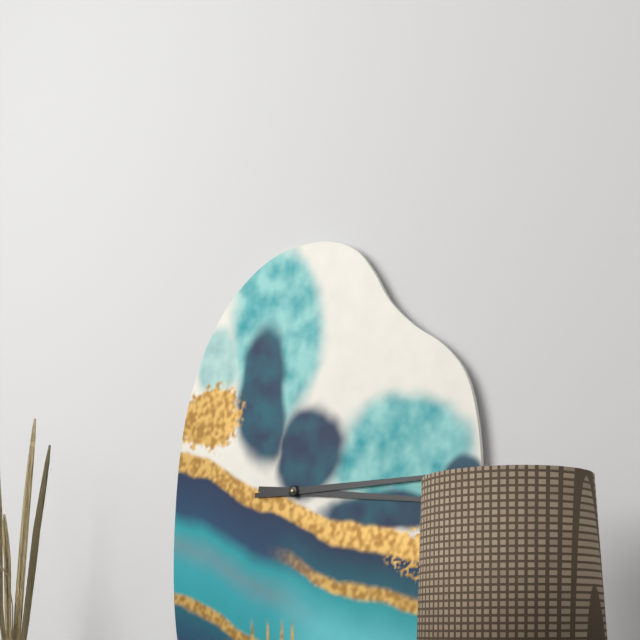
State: 3:15
